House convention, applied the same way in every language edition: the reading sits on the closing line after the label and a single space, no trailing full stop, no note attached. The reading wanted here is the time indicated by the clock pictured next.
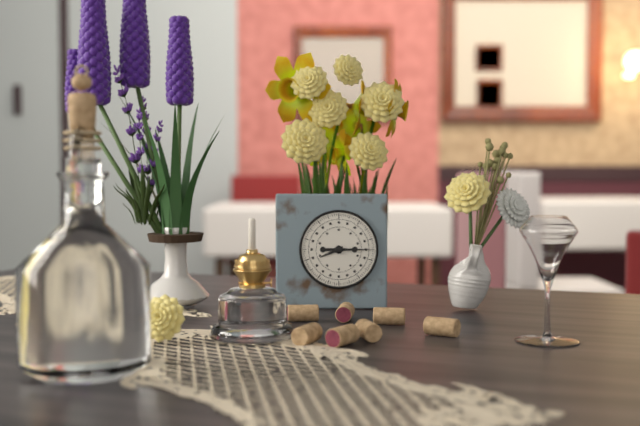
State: 8:15
